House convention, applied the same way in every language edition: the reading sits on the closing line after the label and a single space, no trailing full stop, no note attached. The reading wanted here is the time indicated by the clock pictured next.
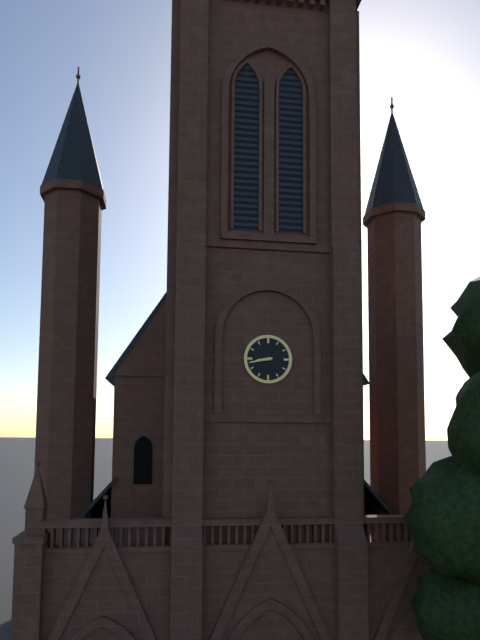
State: 8:43
